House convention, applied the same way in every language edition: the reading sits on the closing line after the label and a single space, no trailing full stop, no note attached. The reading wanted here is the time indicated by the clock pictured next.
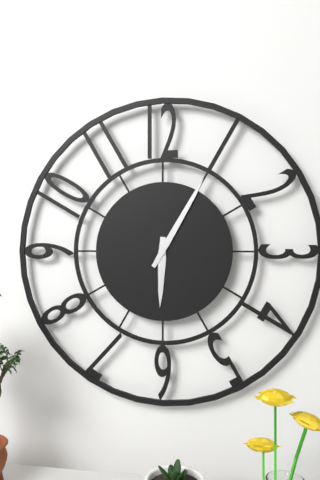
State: 6:05
